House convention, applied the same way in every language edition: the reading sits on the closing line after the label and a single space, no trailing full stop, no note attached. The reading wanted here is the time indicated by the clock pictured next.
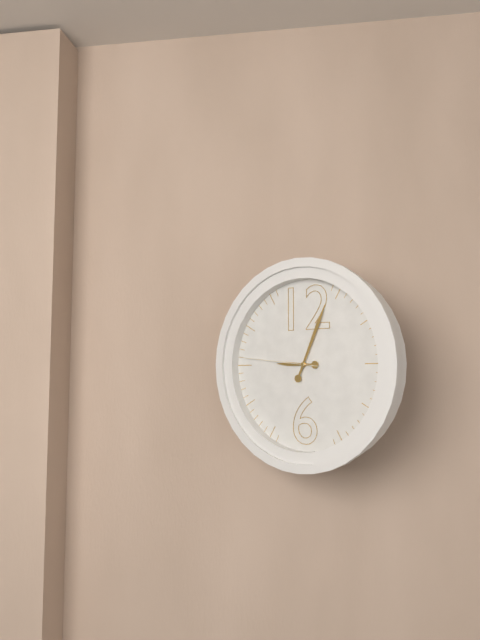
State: 9:04:46
